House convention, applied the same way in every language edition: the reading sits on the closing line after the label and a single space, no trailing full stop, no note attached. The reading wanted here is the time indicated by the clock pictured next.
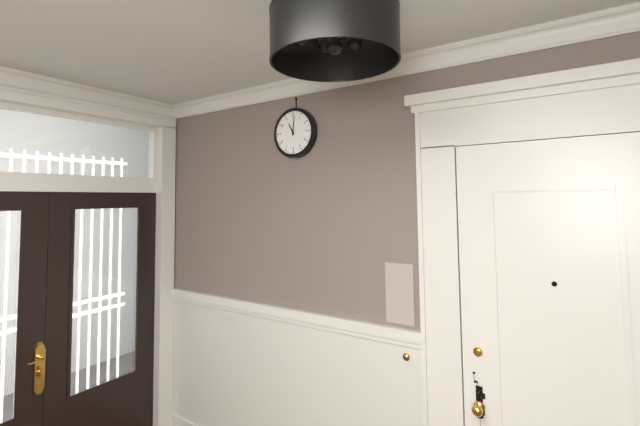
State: 11:01
